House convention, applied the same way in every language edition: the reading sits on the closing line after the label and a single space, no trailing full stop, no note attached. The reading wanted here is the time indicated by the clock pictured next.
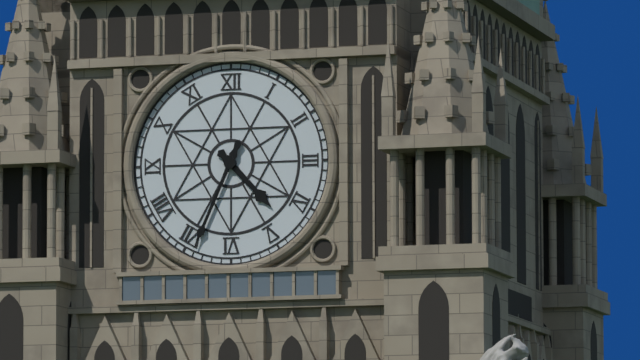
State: 4:34
